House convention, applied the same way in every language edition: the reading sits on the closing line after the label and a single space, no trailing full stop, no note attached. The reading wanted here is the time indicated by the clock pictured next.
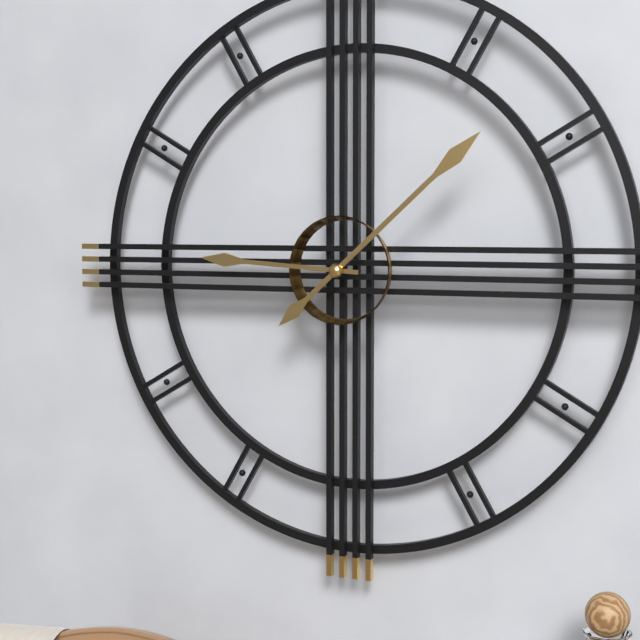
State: 9:08
